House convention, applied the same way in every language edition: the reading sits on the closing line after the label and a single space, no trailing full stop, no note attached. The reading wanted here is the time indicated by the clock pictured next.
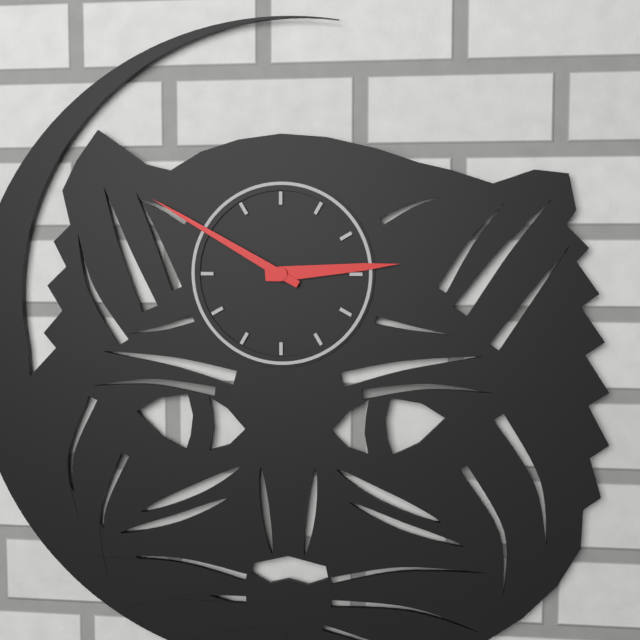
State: 2:50
